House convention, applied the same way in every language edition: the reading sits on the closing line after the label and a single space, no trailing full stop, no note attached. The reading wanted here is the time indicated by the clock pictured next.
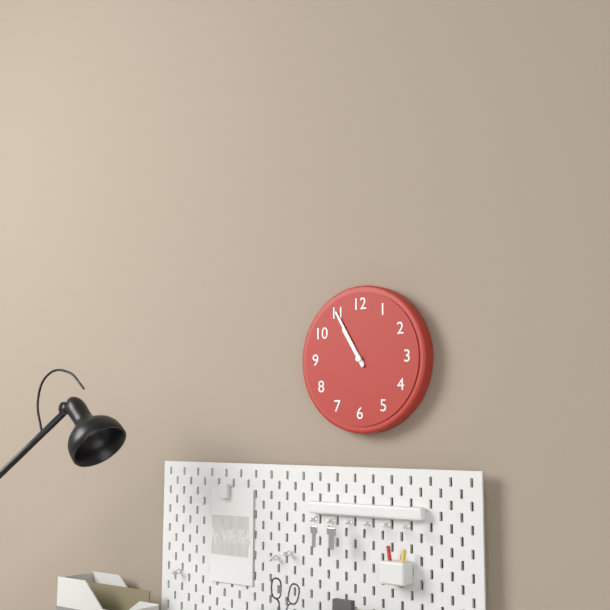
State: 10:55
